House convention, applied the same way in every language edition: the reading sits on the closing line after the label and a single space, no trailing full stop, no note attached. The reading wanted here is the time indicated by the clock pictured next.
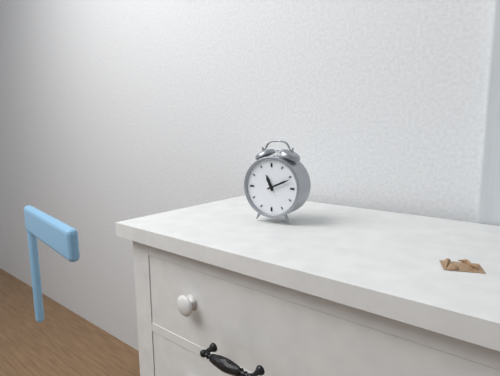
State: 11:11
